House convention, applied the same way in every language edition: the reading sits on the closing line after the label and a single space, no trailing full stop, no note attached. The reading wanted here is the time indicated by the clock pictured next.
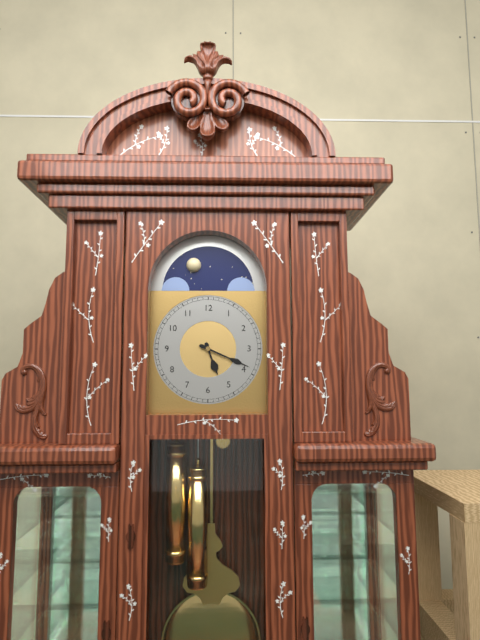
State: 5:19
